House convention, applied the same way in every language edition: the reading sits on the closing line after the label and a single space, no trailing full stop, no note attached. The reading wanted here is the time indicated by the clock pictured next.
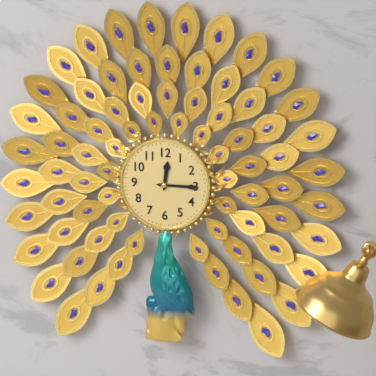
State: 12:15
